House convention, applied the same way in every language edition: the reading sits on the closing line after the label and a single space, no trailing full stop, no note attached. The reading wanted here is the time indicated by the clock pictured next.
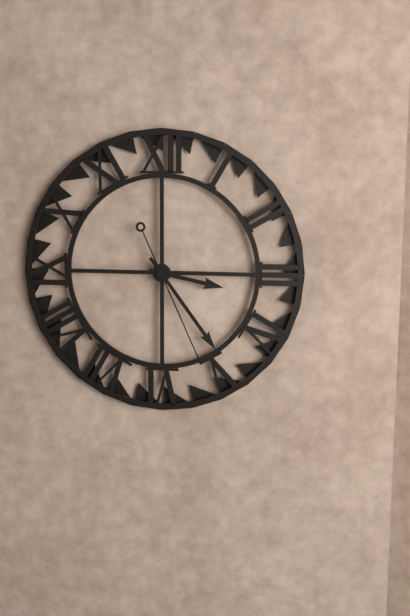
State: 3:24:26
